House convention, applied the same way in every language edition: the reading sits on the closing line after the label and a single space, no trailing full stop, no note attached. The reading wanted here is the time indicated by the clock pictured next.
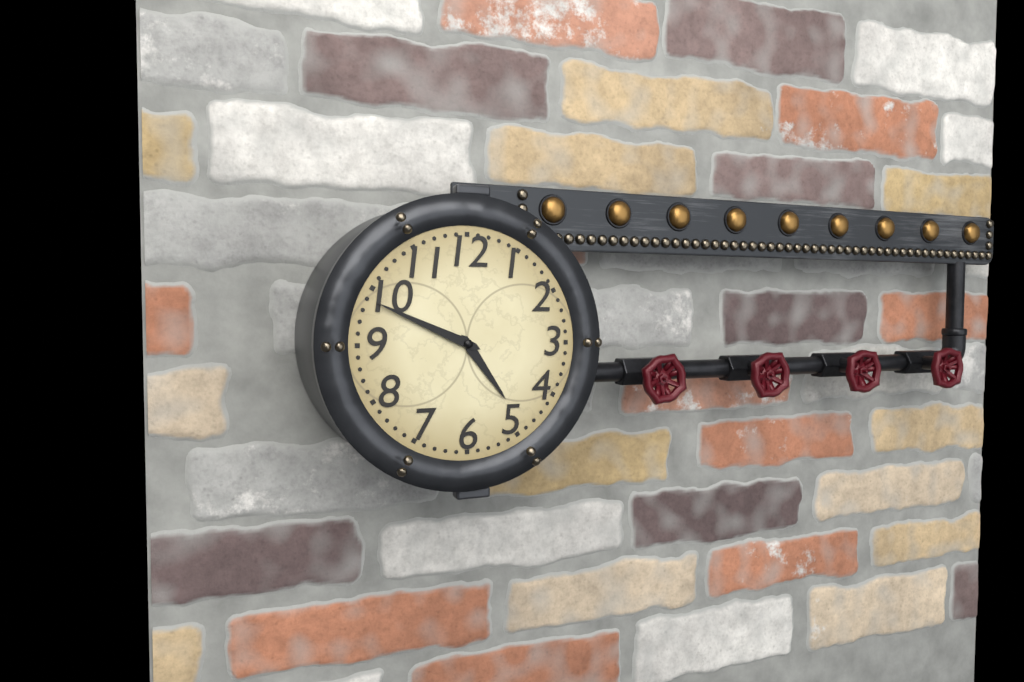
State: 4:49
